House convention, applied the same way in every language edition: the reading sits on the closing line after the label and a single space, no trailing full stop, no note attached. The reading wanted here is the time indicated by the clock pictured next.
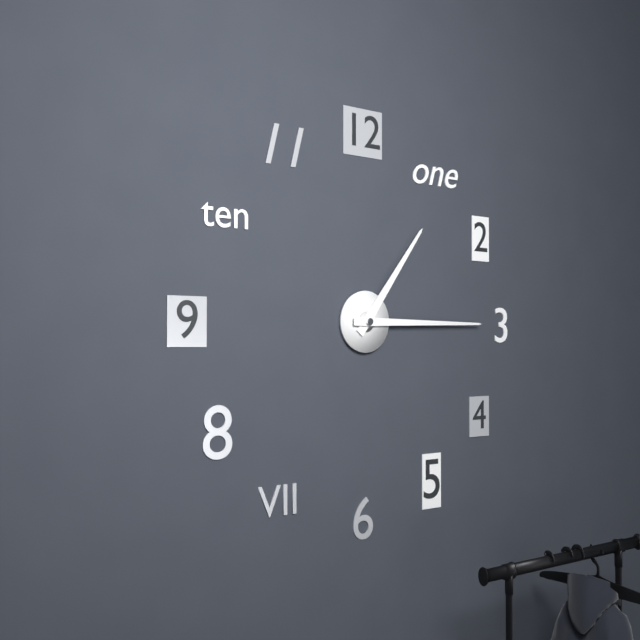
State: 1:15
